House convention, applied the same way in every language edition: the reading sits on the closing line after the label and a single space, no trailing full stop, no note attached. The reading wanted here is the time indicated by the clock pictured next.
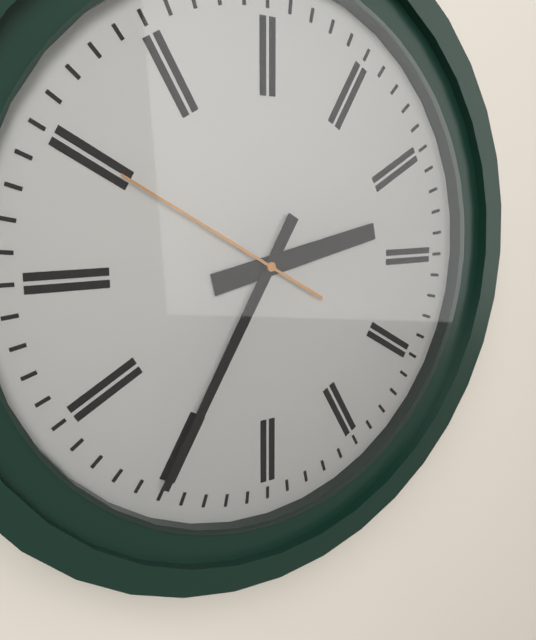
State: 2:35:50
